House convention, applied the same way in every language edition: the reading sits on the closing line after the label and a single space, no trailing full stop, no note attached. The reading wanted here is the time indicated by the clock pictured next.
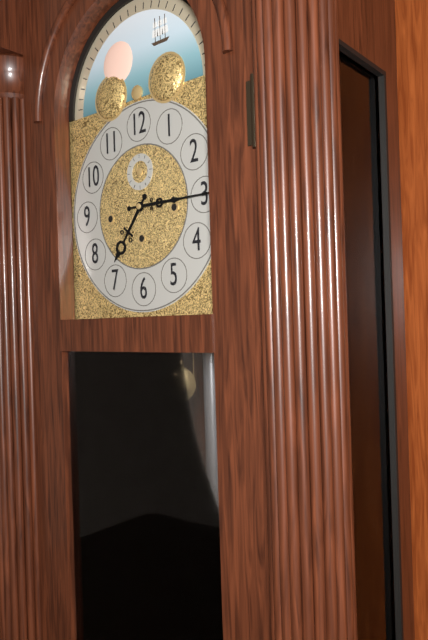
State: 7:15
